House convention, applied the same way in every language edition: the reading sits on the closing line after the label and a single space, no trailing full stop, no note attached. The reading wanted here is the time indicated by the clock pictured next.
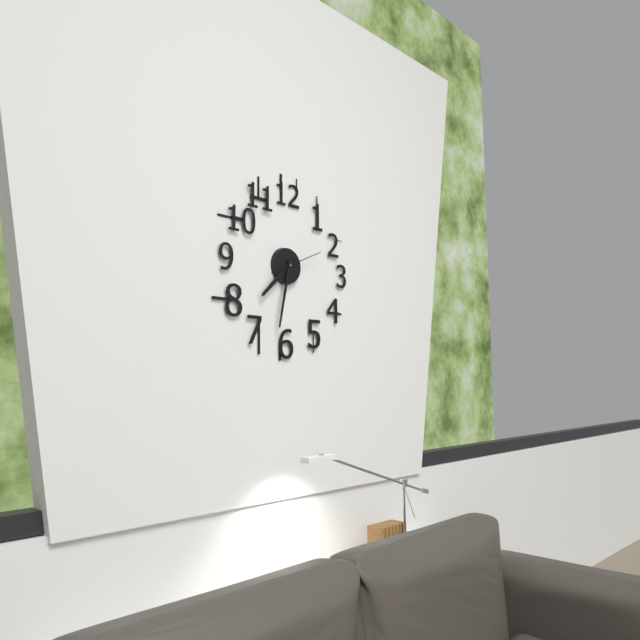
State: 7:32
